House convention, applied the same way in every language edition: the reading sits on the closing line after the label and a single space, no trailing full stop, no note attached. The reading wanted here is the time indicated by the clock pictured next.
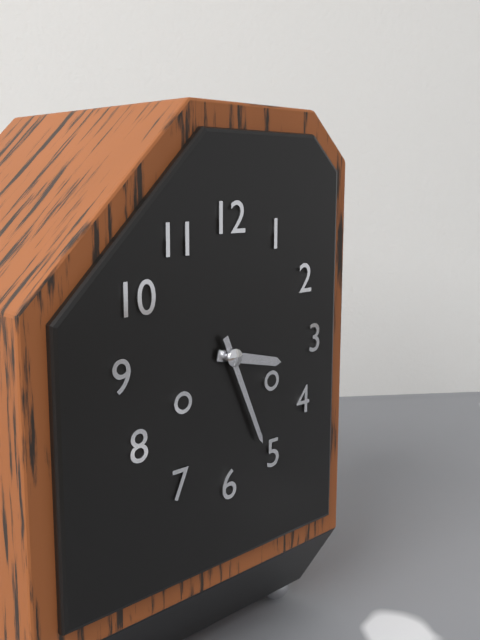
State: 3:26
